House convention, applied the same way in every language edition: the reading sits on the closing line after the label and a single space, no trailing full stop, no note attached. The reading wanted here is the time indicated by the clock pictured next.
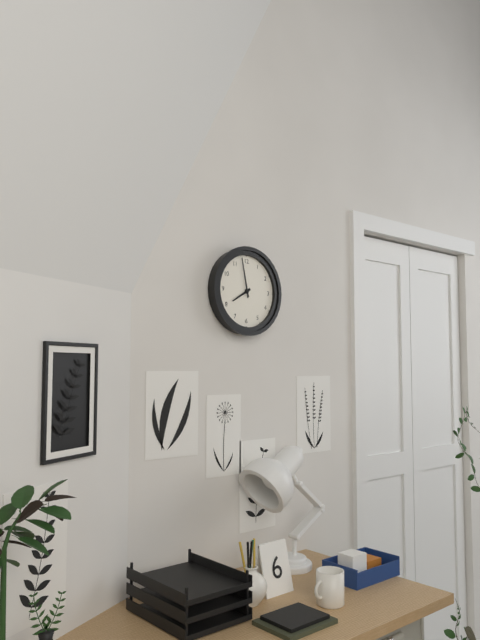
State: 7:58
